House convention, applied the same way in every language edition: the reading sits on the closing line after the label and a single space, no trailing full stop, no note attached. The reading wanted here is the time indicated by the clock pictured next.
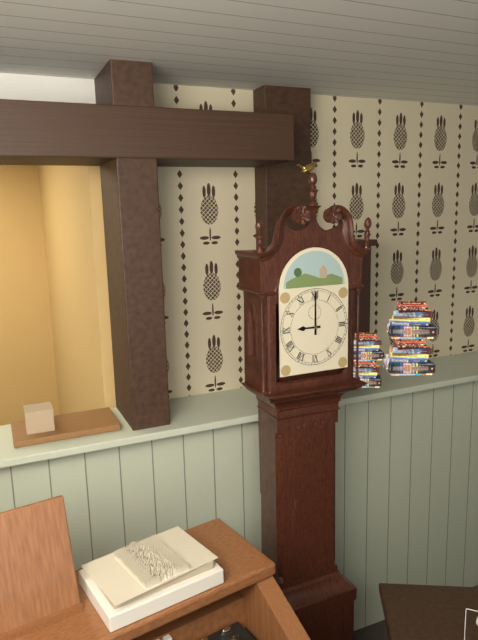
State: 9:00
